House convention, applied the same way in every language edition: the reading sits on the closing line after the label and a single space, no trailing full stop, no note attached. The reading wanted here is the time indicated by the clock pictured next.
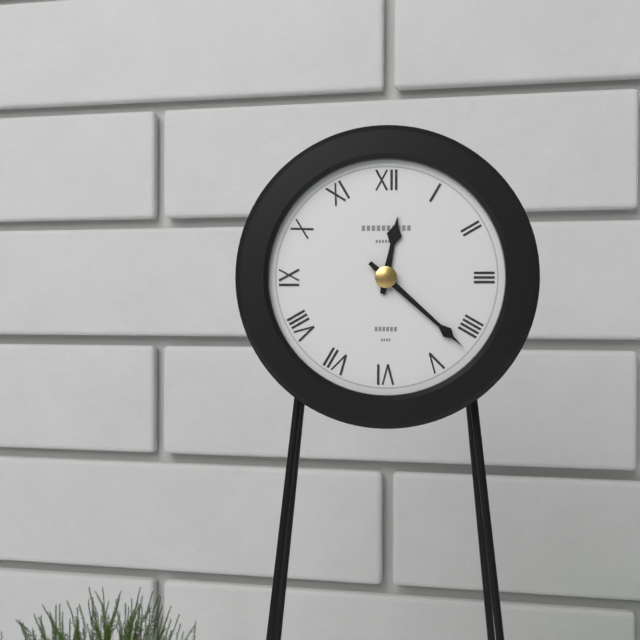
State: 12:22
